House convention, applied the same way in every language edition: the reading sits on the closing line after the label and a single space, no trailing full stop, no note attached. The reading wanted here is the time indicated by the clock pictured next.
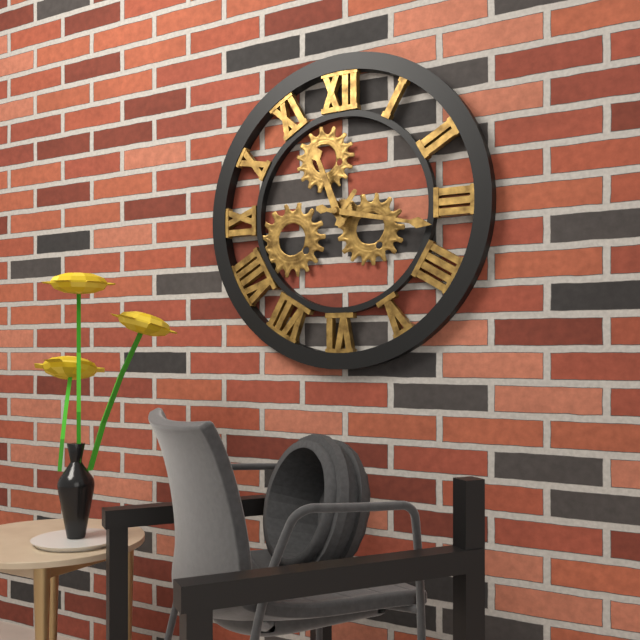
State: 11:17
